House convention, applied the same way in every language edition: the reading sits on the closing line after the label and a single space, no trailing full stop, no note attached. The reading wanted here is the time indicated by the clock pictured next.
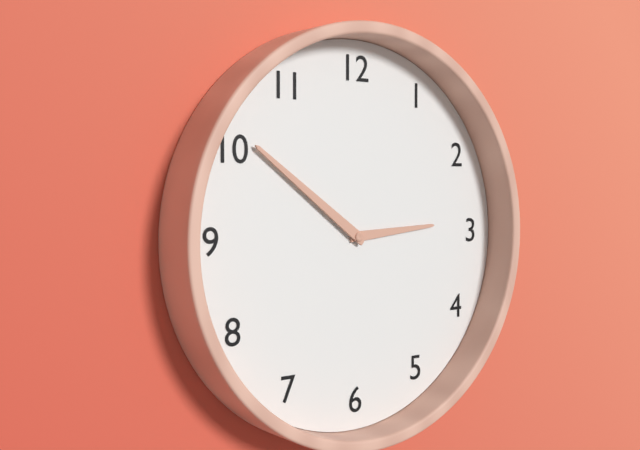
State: 2:51
